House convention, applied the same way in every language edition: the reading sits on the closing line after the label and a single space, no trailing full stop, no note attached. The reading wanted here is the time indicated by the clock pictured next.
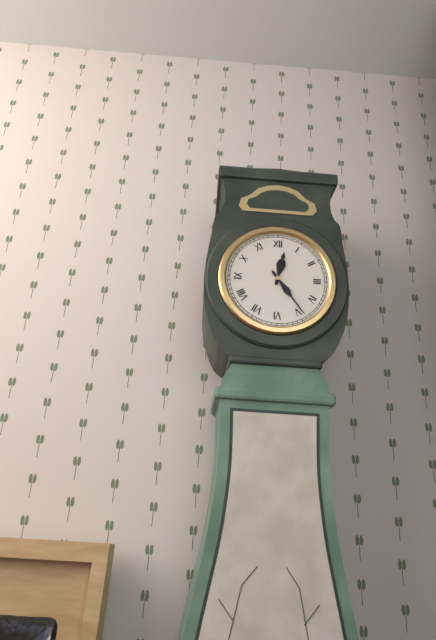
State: 12:24
